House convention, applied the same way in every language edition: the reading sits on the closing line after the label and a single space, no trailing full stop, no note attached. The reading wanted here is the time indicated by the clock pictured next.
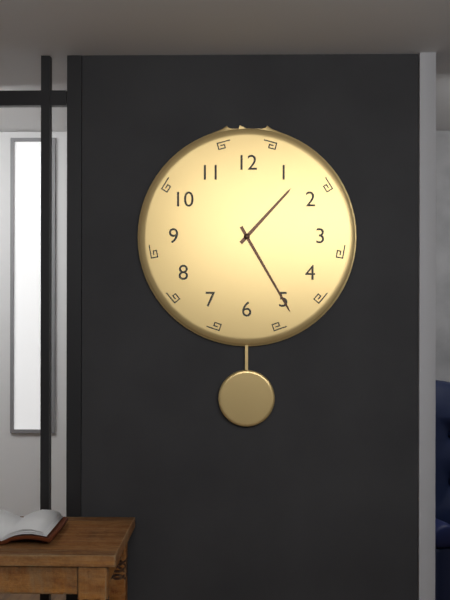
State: 1:25
